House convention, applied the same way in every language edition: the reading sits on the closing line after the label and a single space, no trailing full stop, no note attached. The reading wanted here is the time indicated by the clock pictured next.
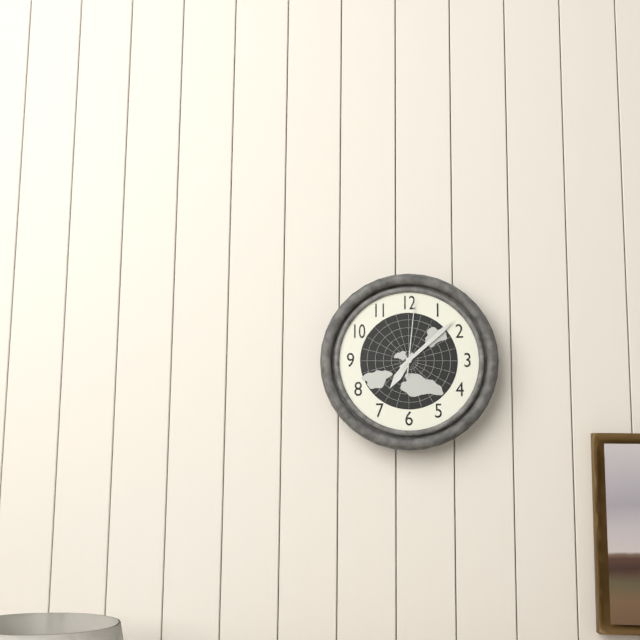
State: 7:08:01
